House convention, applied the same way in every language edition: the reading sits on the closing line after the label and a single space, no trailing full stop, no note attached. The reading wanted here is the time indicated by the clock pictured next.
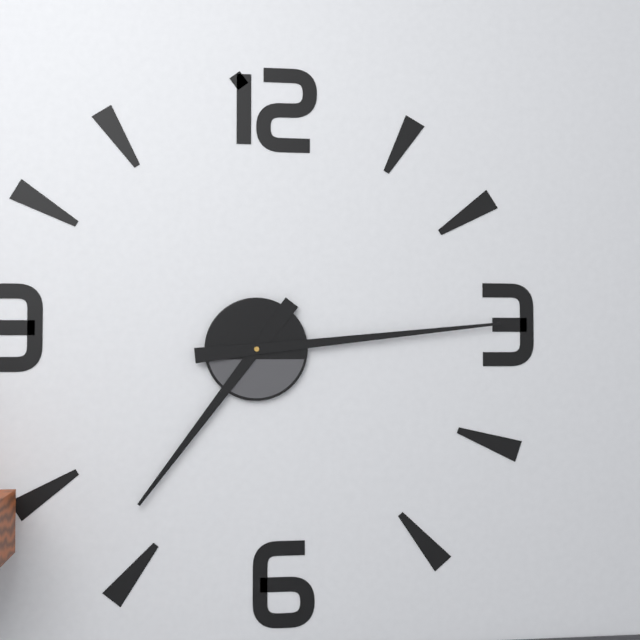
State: 7:14
